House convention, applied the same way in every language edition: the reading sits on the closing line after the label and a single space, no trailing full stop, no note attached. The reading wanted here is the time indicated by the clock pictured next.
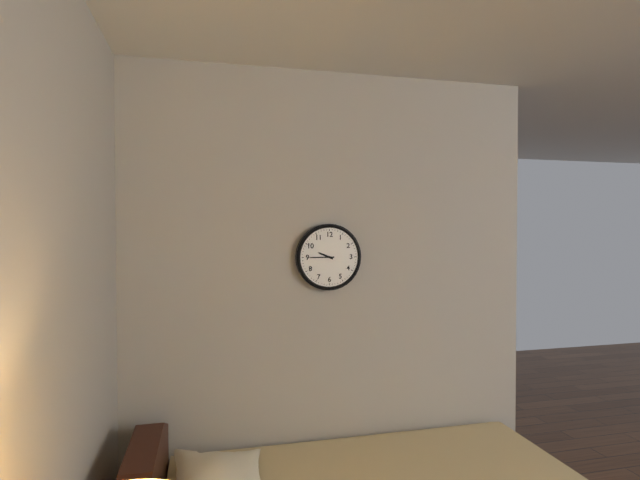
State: 9:45
